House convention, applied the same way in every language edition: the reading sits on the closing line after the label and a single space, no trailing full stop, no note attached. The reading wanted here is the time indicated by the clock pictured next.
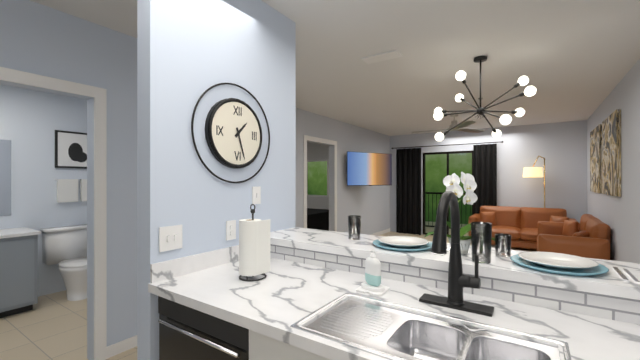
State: 1:27
